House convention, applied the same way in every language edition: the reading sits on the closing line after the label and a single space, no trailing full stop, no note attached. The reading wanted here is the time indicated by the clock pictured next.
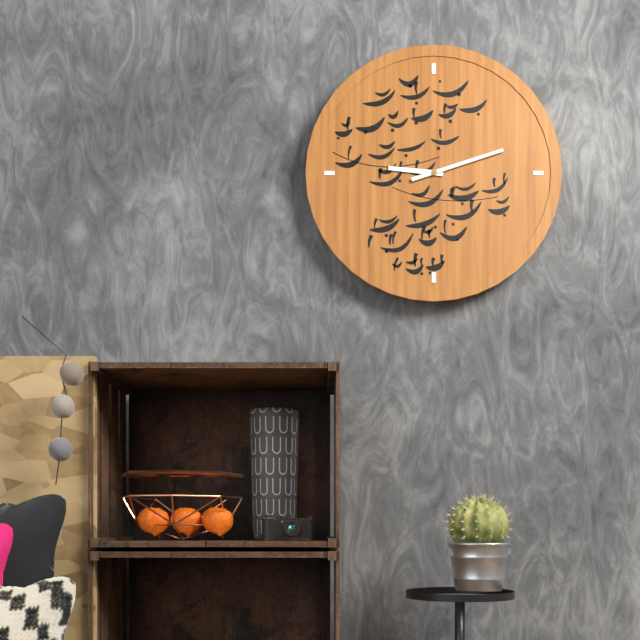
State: 9:12
